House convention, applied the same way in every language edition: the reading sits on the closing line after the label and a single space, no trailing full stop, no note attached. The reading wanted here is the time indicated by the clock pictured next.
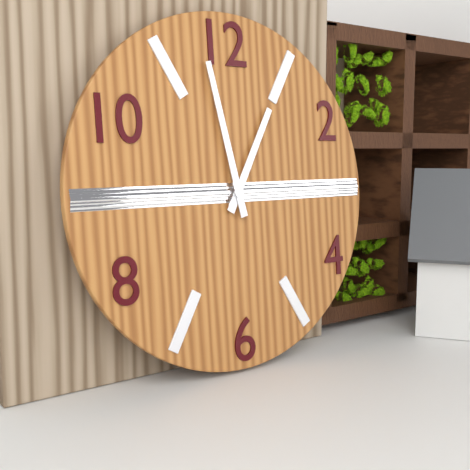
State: 12:58
